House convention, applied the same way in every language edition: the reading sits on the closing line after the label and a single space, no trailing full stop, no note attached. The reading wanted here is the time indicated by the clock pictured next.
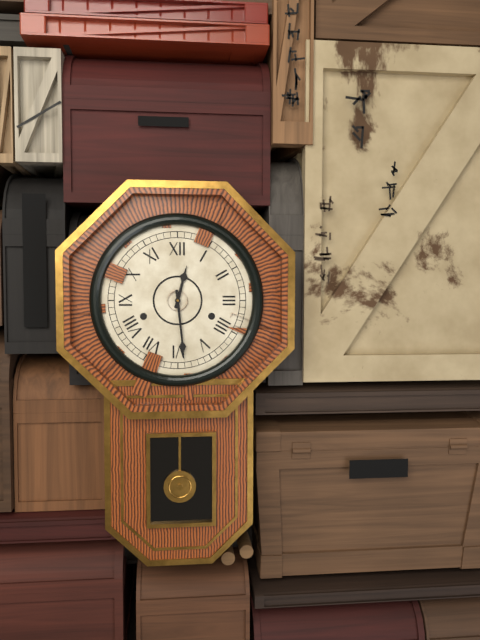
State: 12:29
